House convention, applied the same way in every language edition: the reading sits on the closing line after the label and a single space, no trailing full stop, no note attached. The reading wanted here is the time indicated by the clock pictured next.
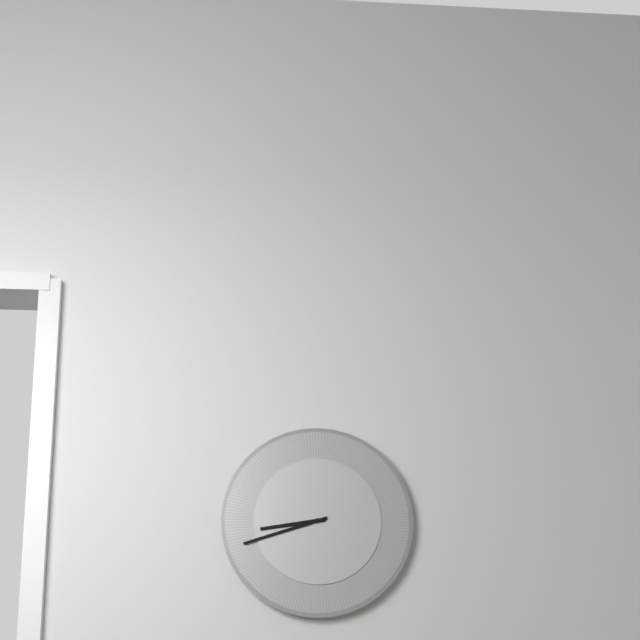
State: 8:42
